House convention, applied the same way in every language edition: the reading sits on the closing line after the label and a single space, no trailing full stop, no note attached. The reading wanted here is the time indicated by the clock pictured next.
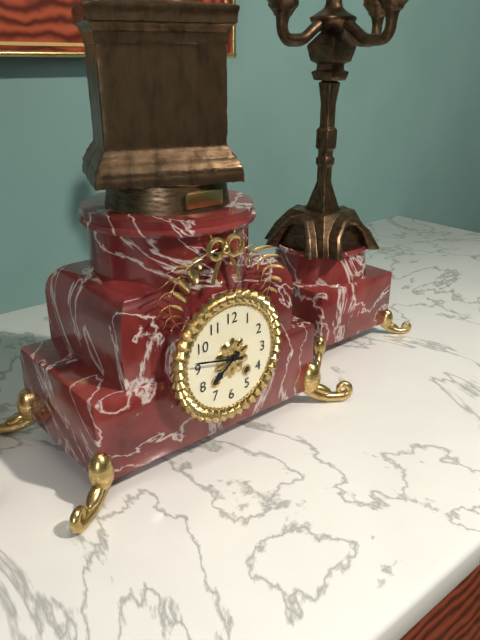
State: 7:47
